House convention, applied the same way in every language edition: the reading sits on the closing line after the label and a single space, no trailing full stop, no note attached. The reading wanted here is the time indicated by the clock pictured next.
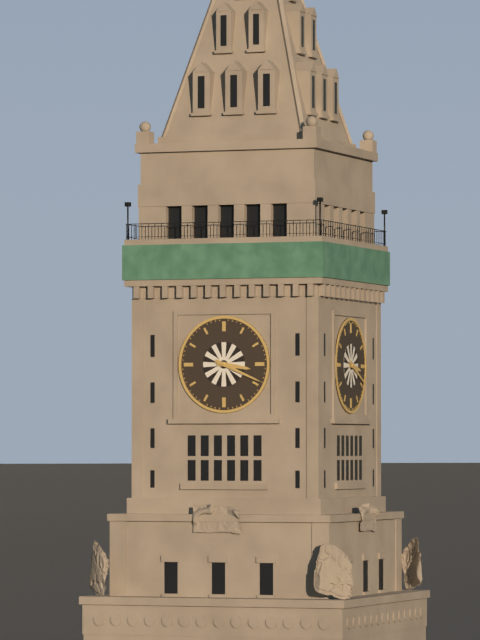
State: 3:19
